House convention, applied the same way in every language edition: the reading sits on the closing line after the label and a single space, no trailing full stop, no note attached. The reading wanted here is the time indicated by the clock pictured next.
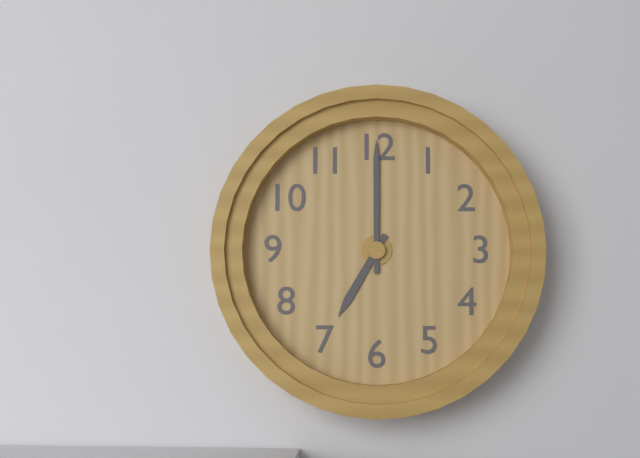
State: 7:00
